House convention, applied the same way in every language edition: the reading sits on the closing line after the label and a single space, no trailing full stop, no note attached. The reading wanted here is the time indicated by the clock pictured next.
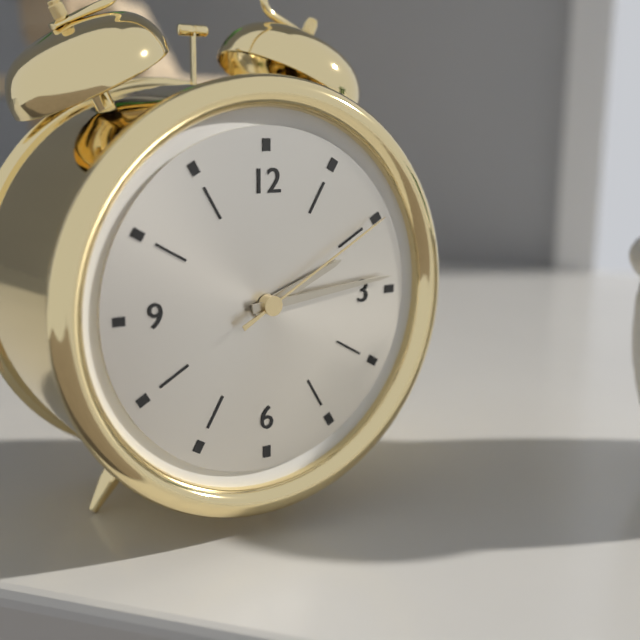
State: 2:14:10
